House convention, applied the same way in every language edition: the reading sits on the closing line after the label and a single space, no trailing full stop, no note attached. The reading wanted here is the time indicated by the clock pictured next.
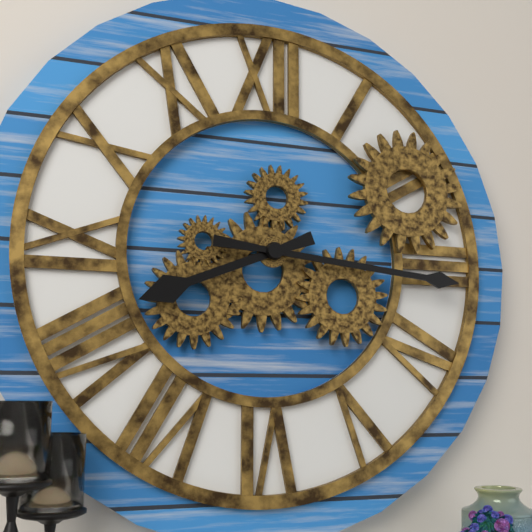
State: 8:16
